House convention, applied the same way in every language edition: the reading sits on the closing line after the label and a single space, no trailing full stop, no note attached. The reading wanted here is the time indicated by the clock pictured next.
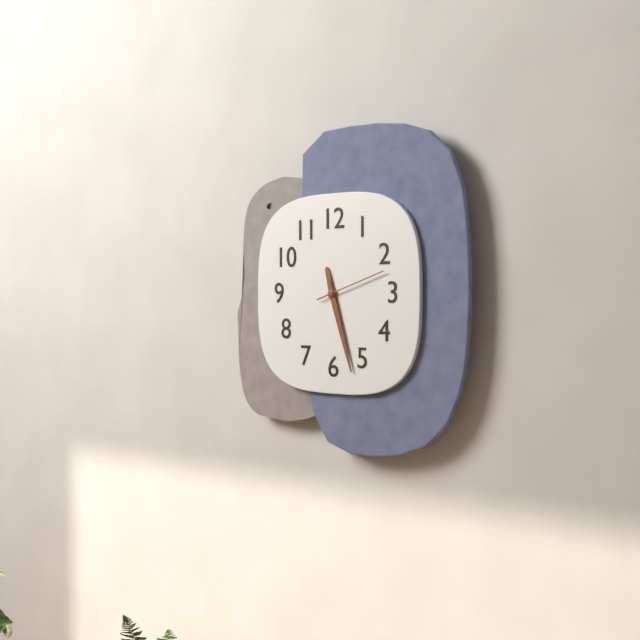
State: 5:27:12
